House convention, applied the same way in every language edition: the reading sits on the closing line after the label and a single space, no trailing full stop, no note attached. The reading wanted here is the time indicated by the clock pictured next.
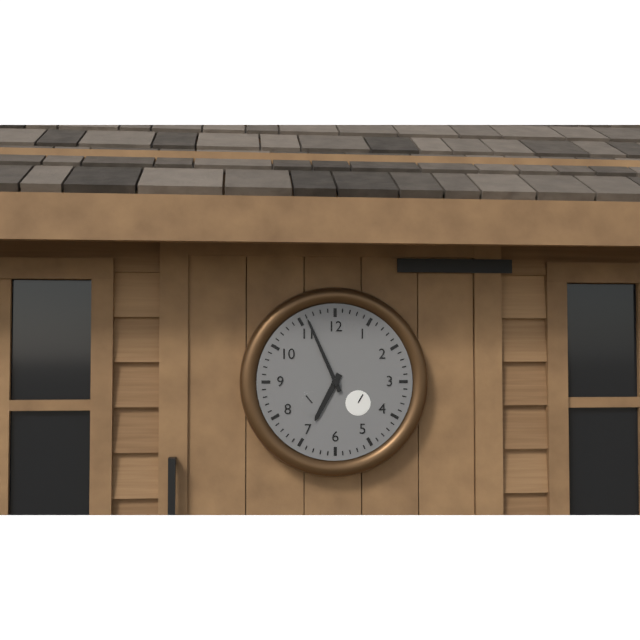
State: 6:56
